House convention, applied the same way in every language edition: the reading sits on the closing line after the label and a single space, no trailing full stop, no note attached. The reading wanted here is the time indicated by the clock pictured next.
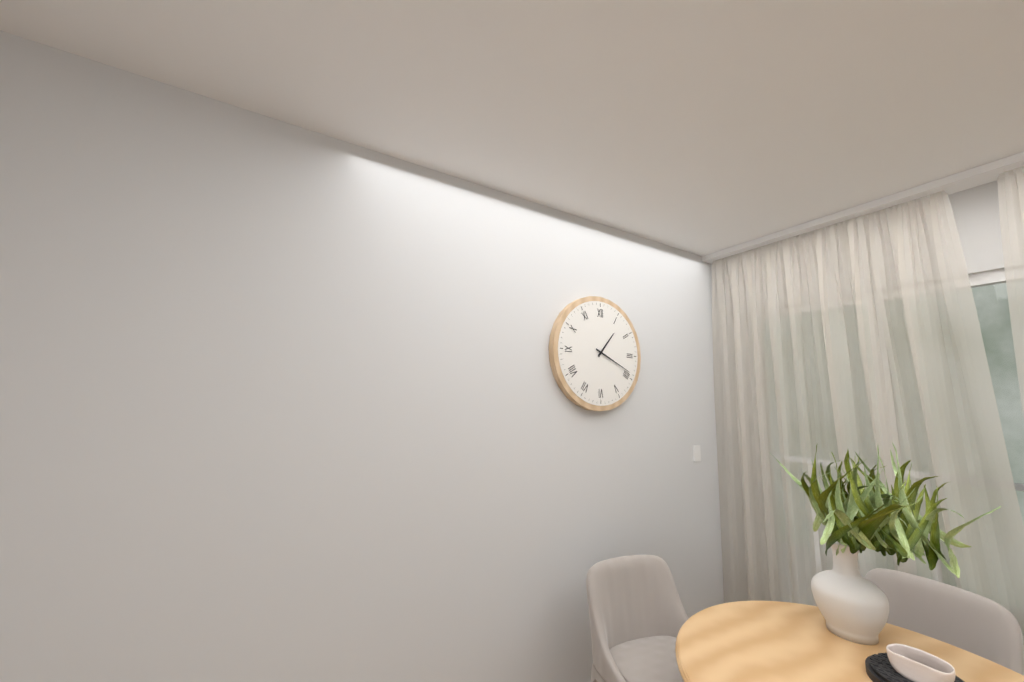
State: 1:19
